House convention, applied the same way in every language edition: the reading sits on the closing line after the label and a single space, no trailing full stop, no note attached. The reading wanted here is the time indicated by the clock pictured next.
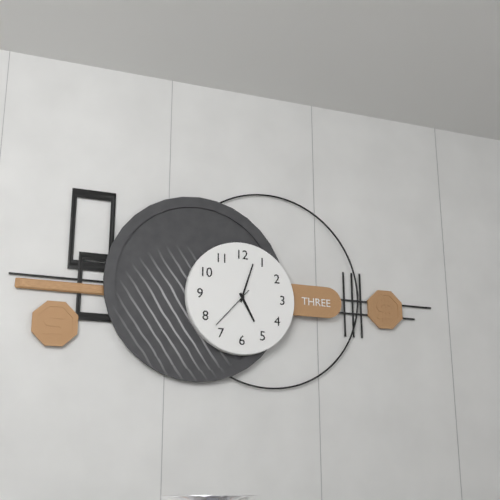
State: 5:03
